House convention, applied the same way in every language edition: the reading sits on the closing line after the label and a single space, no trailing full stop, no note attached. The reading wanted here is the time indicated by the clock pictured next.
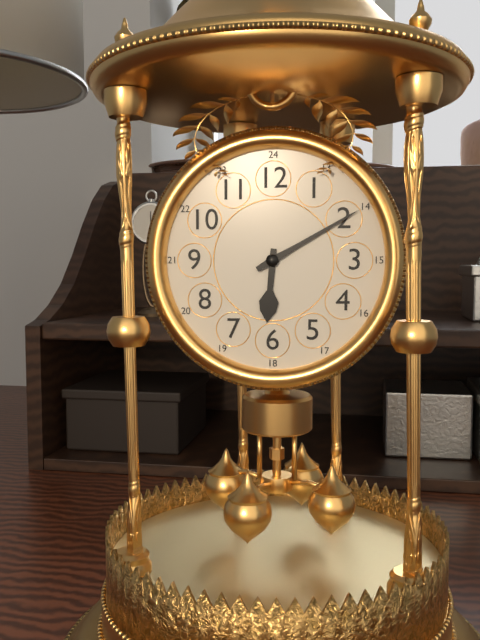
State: 6:10
